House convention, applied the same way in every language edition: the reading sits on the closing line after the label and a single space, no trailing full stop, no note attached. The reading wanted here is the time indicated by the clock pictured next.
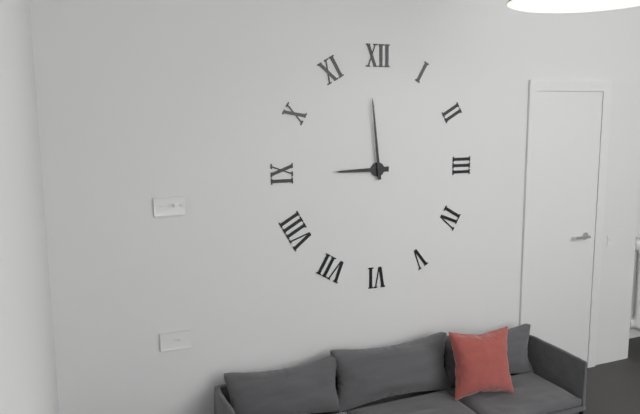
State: 8:59
